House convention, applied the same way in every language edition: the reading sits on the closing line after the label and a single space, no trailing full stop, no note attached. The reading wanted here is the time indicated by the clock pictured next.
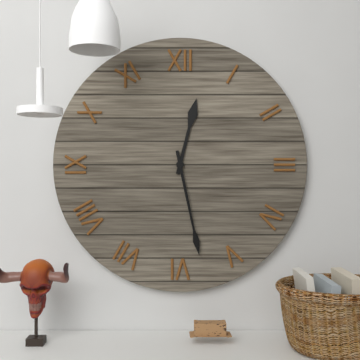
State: 12:28
